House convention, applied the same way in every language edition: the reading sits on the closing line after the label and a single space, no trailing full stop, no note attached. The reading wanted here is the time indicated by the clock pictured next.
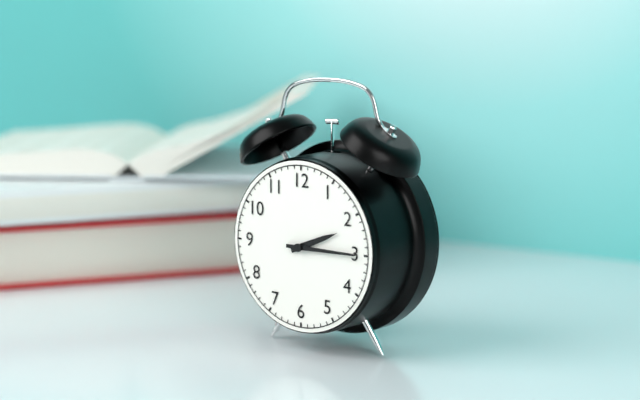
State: 2:15
